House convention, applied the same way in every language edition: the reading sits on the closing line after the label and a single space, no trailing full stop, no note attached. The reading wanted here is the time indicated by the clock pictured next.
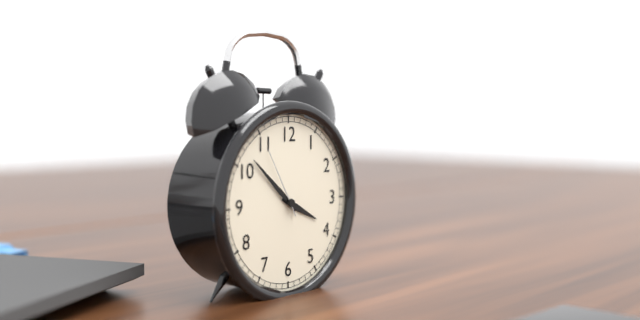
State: 3:52:55
